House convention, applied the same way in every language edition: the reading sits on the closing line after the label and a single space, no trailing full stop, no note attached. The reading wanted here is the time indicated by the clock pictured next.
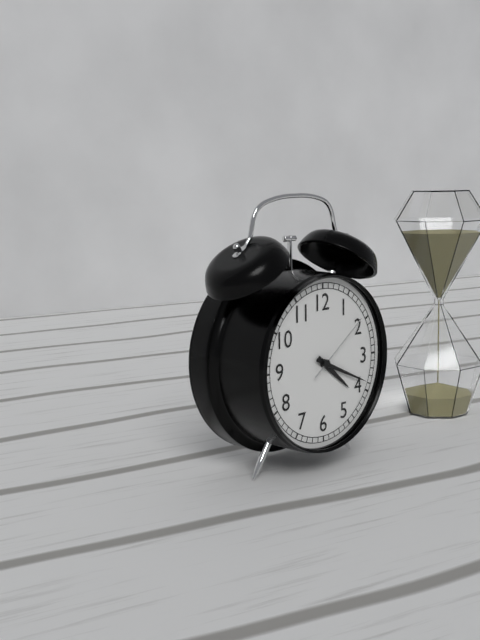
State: 4:19:09
